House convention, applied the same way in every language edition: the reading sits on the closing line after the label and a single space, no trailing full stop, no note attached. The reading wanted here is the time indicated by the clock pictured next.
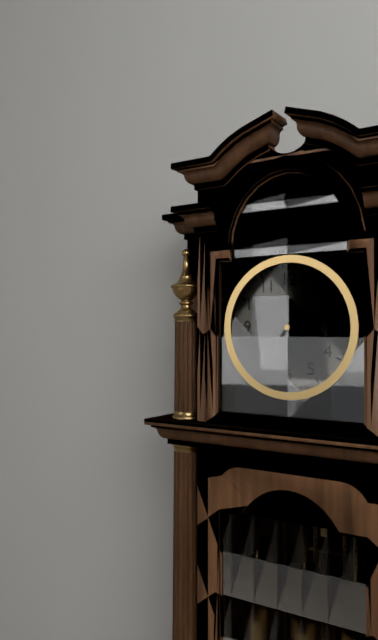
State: 2:36
